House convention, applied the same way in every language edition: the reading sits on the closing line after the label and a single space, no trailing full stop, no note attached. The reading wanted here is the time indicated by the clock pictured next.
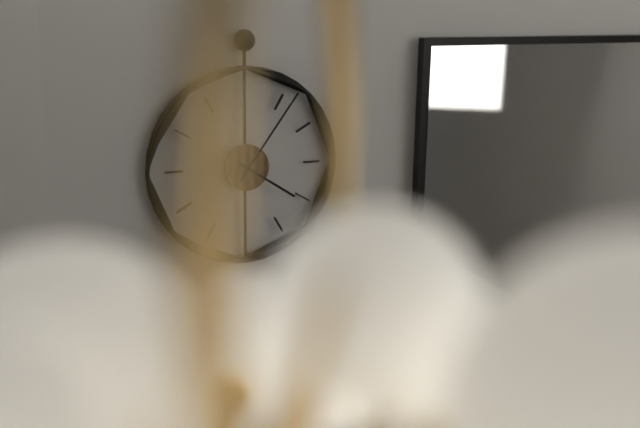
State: 4:06
